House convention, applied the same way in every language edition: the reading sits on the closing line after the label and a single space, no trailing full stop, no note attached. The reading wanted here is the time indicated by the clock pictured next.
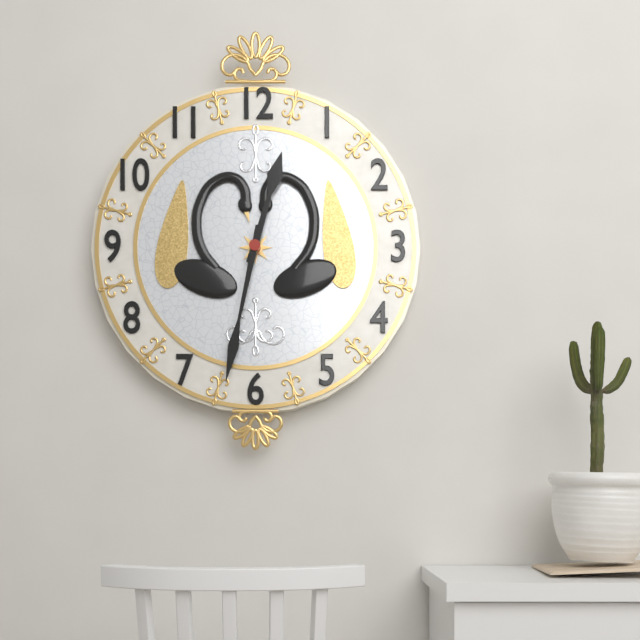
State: 12:32
